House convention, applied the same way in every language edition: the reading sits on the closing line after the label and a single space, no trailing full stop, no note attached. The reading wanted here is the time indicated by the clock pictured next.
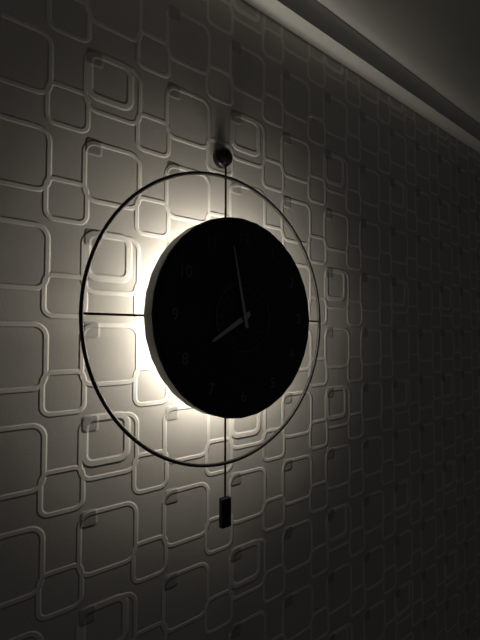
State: 7:58
